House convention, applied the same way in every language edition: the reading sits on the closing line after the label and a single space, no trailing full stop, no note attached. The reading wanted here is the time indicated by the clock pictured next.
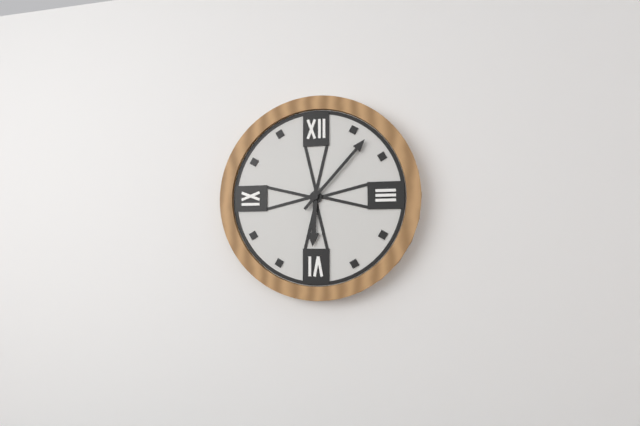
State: 6:07
